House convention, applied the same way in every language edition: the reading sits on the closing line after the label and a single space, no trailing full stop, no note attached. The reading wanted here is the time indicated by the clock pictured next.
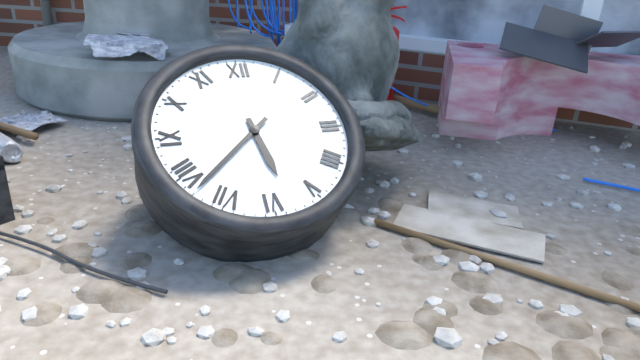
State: 5:38
